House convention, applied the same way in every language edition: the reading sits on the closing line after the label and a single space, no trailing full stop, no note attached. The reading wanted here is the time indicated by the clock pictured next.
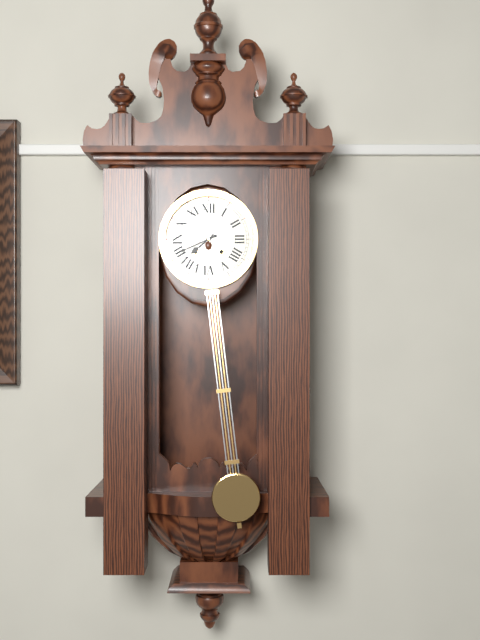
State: 7:41
